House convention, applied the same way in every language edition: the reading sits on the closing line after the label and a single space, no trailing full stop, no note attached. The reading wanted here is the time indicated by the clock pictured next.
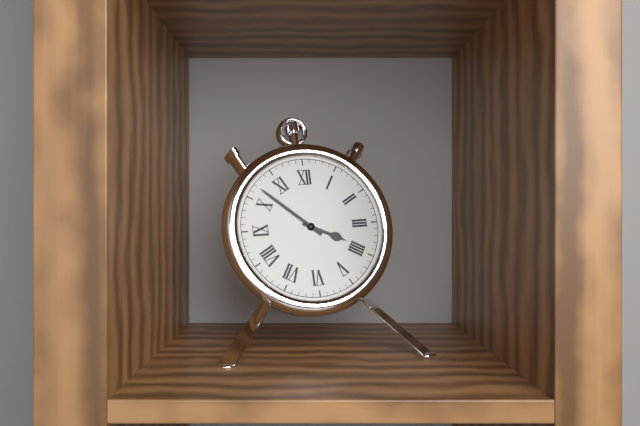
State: 3:52
